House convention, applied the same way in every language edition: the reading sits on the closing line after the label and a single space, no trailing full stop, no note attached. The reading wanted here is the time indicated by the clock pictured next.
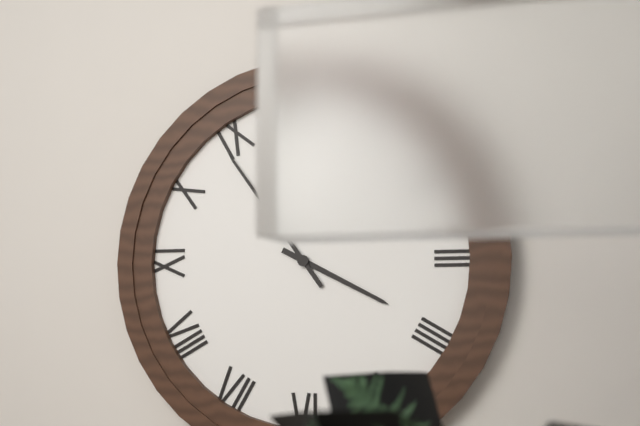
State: 3:54
